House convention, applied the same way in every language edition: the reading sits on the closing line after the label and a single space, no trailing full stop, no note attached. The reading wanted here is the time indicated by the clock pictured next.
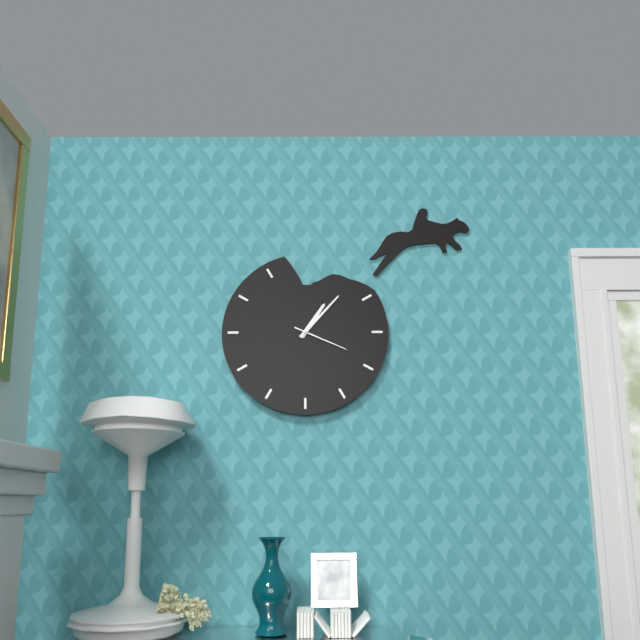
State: 1:07:19
